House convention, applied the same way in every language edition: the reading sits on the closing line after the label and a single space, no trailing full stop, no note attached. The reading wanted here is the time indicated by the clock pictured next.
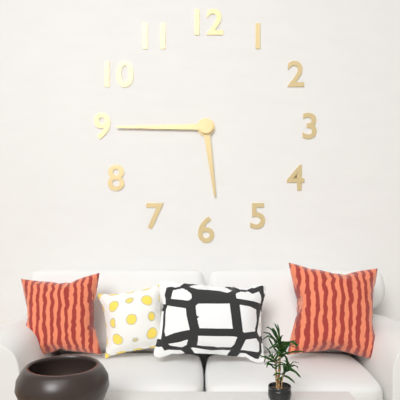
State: 5:45
